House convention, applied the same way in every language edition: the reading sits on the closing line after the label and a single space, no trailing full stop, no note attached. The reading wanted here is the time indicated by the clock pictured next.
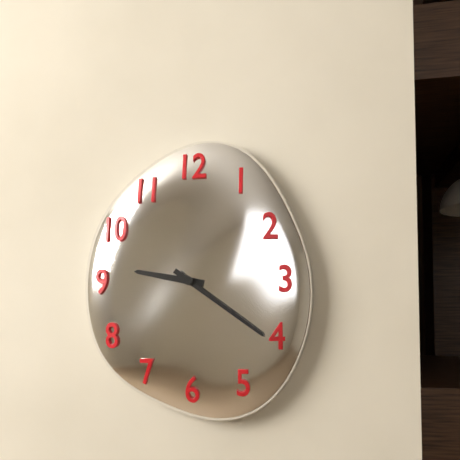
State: 9:21
